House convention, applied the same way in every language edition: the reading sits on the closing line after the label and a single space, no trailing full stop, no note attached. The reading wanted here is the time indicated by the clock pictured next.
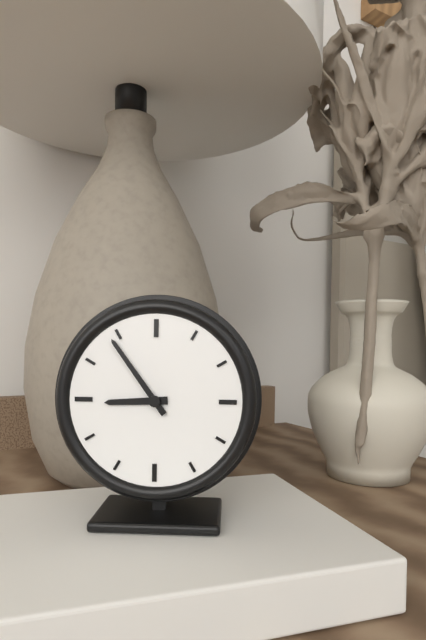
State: 8:54
